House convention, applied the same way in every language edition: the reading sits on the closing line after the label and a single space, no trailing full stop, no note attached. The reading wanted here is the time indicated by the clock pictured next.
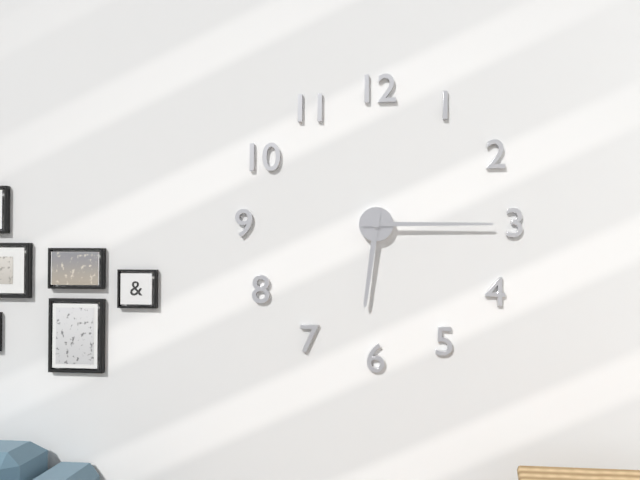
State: 6:15
